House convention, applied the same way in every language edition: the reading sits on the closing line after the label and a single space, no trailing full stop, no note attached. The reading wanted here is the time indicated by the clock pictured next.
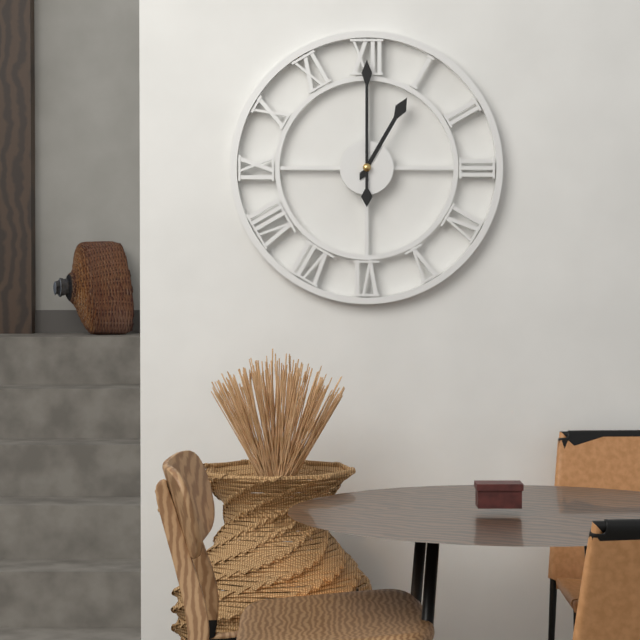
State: 1:00
